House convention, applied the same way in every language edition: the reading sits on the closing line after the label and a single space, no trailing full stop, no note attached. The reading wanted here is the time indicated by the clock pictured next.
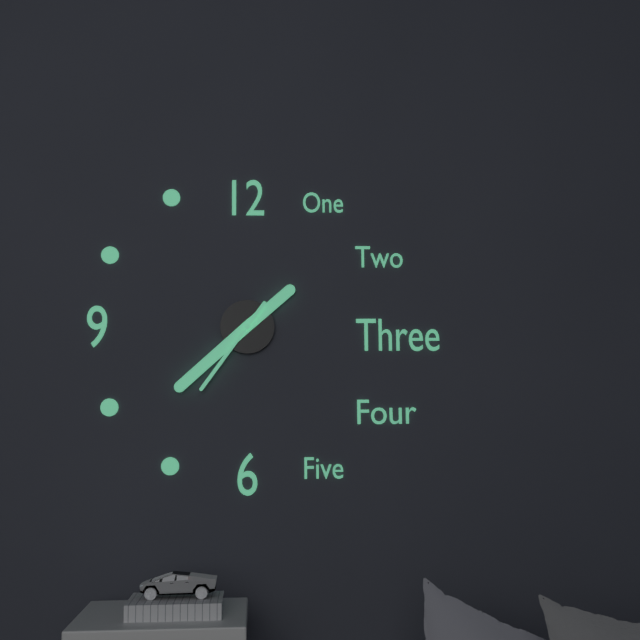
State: 1:38:36
